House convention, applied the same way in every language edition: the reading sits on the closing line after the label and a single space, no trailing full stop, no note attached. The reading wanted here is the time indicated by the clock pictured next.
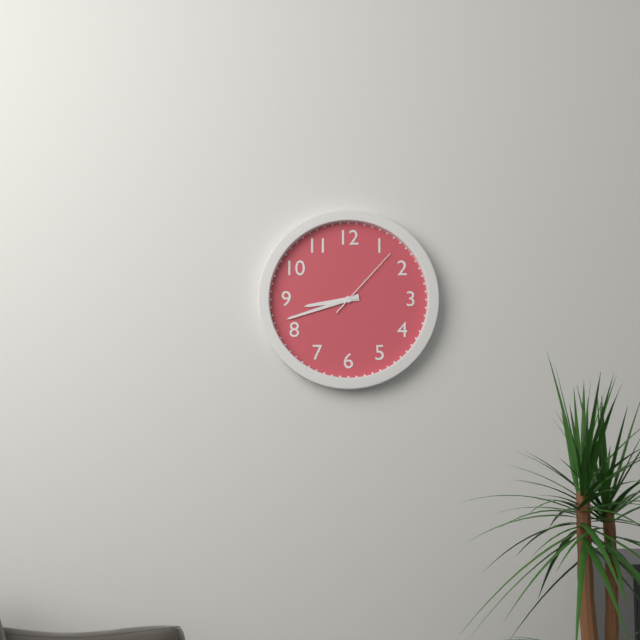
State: 8:42:07
